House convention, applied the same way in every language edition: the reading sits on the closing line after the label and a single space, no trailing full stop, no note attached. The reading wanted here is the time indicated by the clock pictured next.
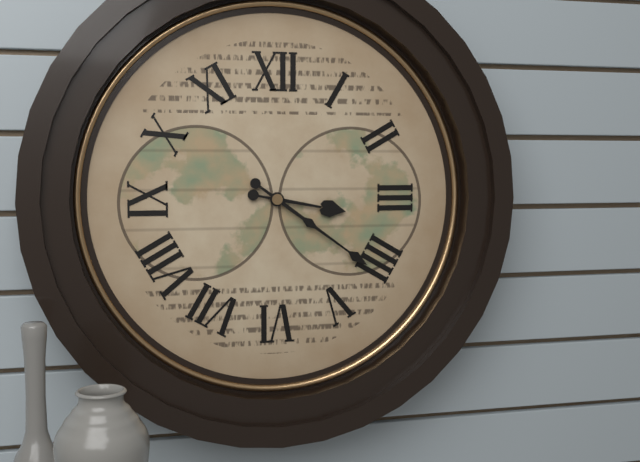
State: 3:21
